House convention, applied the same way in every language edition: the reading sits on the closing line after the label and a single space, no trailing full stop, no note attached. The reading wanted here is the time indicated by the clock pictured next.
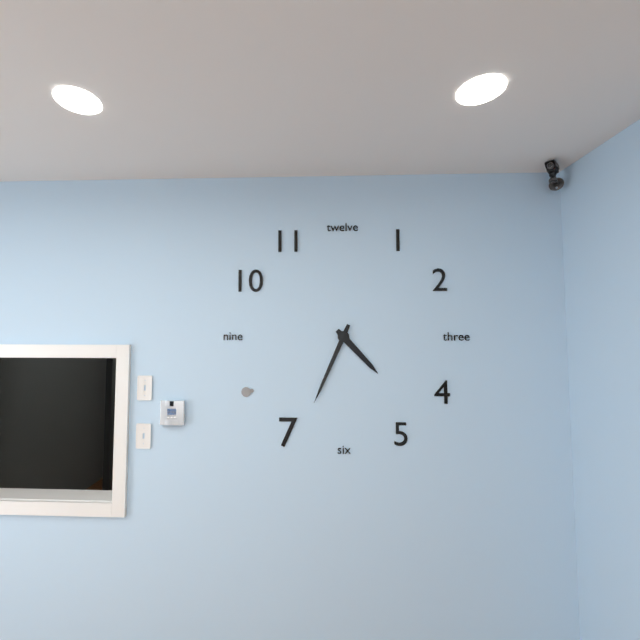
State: 4:34
